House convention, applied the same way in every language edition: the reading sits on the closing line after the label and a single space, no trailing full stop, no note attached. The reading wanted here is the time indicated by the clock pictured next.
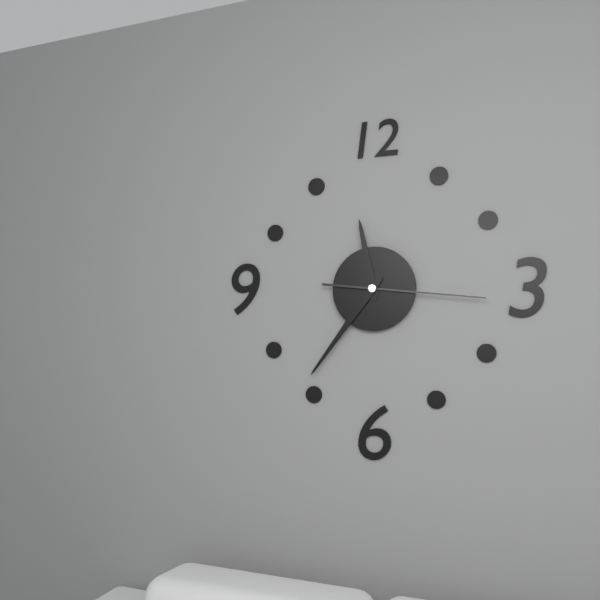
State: 11:36:16
